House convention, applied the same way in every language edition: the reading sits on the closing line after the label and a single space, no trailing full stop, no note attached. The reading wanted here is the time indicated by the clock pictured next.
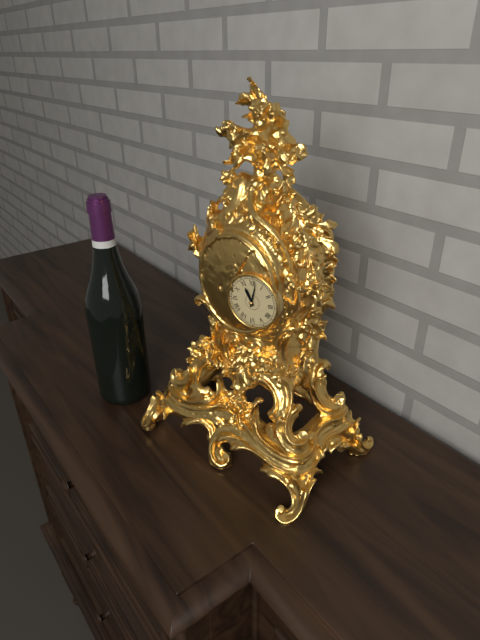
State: 11:02
